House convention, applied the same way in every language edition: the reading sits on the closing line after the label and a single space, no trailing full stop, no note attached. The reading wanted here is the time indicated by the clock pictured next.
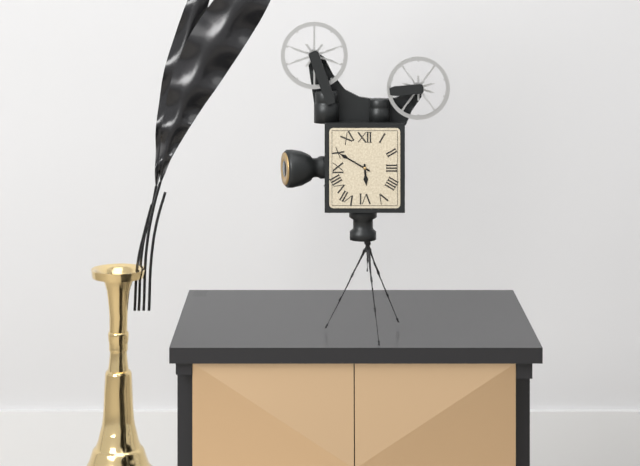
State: 5:50
